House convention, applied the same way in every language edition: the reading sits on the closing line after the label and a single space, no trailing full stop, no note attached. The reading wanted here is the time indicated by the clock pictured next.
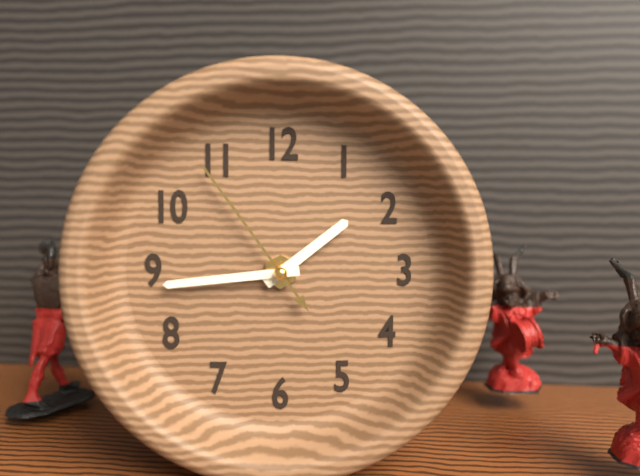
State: 1:44:54
